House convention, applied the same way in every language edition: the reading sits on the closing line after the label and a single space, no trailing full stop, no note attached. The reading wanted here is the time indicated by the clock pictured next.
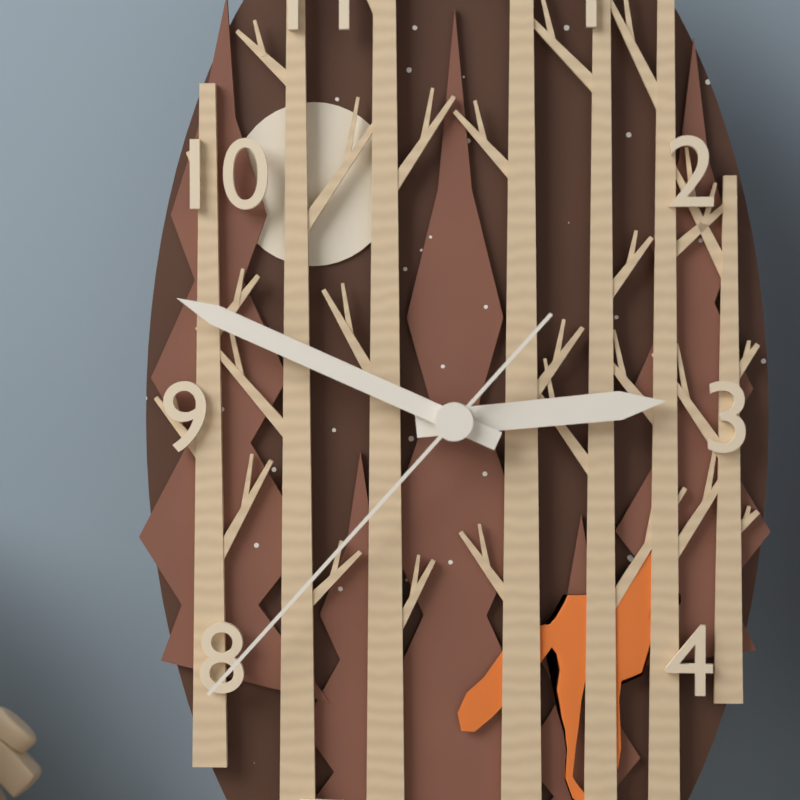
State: 2:49:37
